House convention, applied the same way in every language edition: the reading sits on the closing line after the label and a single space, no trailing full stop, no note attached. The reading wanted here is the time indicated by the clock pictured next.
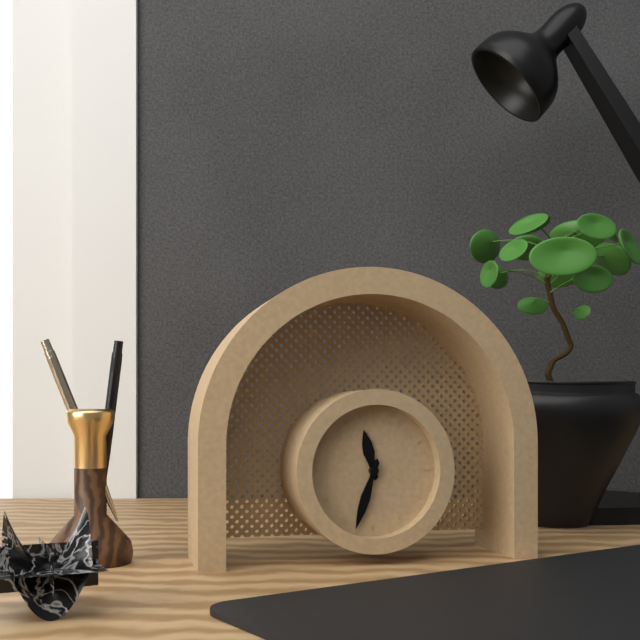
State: 11:33
